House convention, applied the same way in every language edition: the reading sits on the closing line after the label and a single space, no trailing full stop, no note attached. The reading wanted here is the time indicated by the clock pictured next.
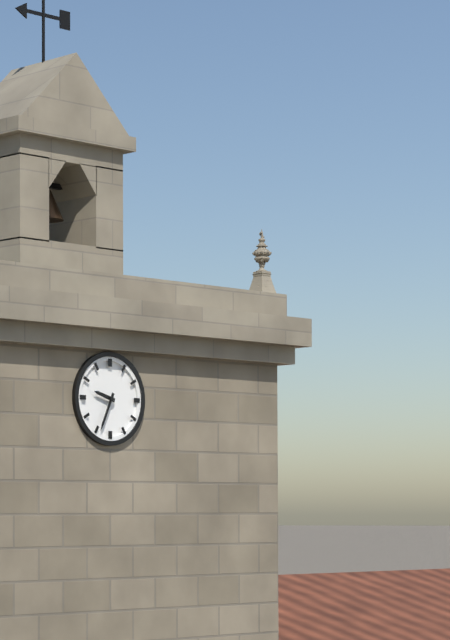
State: 9:34
